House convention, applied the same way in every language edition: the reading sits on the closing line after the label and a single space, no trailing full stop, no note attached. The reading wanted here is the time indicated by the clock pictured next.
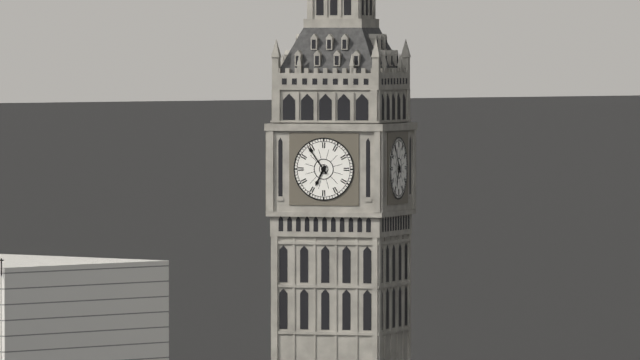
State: 6:54
